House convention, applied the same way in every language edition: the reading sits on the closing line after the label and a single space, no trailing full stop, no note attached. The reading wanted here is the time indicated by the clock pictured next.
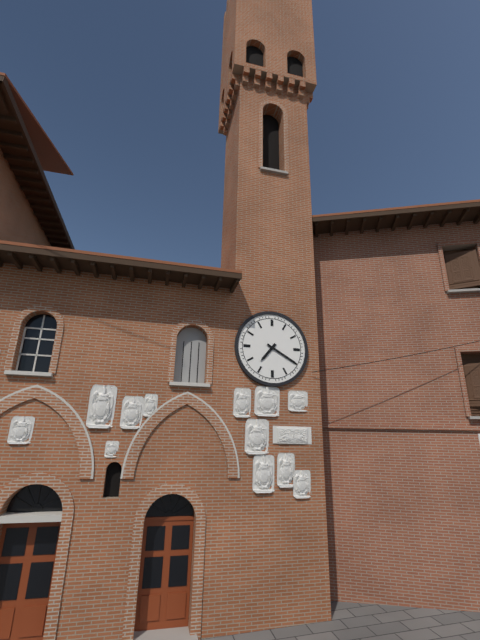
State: 7:20
